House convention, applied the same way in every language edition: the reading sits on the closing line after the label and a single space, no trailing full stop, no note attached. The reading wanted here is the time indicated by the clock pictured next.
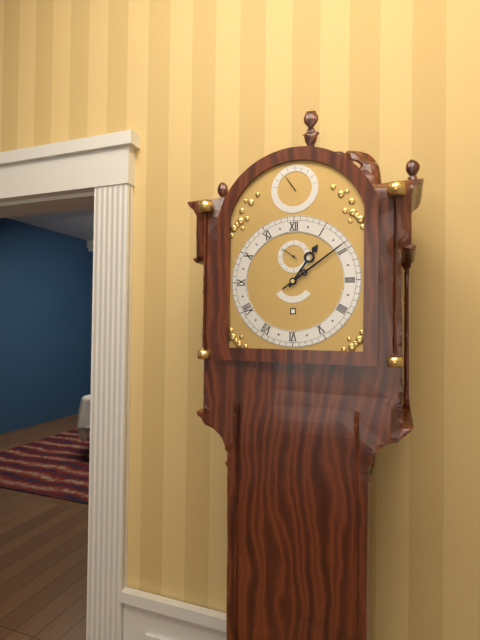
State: 1:09
